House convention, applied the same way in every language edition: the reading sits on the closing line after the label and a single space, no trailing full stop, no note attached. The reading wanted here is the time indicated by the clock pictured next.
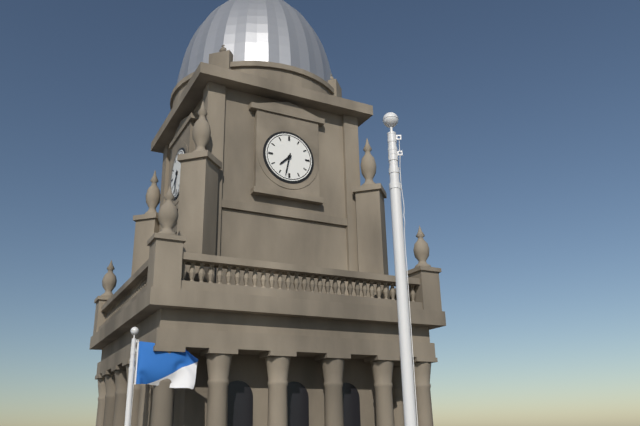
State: 7:32
